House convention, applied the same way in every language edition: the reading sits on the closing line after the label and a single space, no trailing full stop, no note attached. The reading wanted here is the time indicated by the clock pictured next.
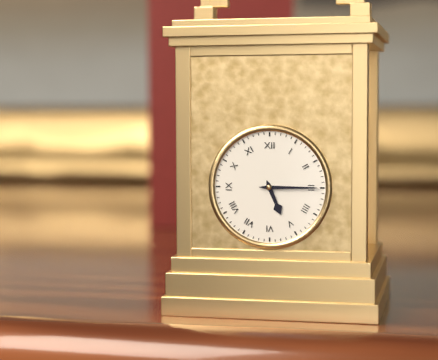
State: 5:15
